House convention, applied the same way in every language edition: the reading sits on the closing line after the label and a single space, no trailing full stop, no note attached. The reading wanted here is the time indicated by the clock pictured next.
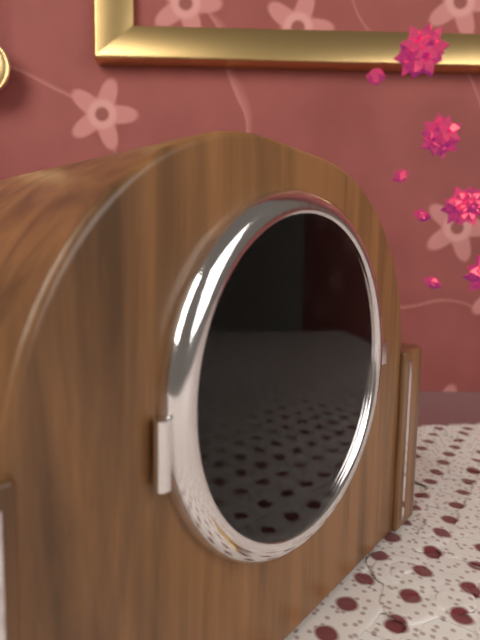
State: 10:46
